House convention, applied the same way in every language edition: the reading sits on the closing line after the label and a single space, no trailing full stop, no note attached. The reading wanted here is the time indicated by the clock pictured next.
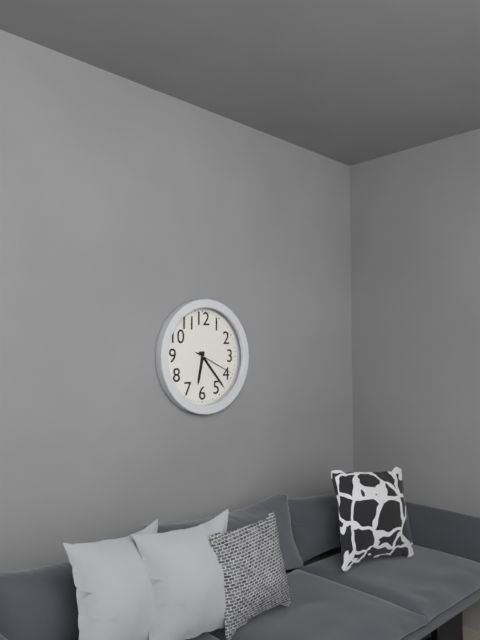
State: 6:23
